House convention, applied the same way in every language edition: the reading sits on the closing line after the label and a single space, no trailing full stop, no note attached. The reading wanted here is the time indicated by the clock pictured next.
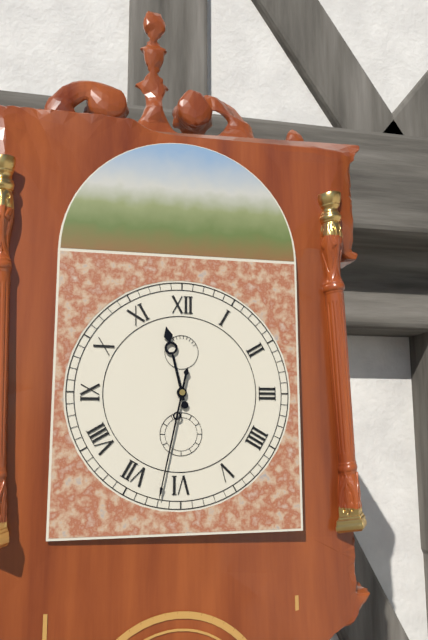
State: 11:32
